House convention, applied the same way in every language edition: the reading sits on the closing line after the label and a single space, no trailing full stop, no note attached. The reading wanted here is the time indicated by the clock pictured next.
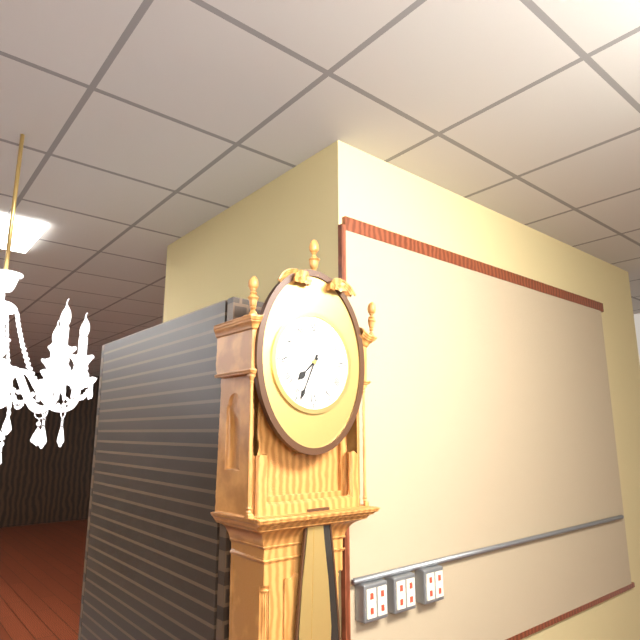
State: 7:34
